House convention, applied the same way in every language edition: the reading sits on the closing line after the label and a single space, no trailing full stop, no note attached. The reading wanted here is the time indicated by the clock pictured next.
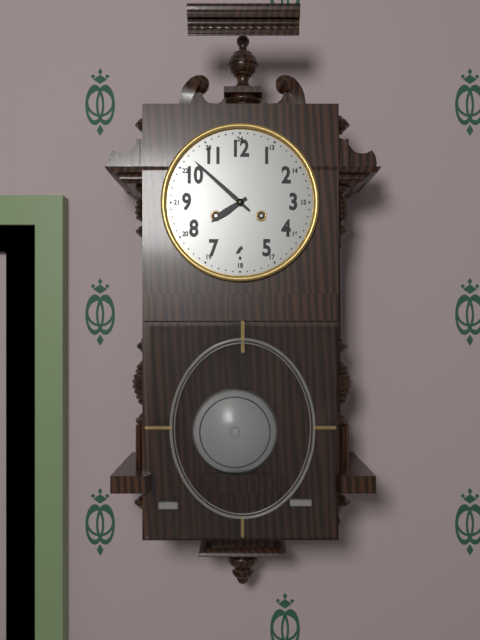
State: 7:52
